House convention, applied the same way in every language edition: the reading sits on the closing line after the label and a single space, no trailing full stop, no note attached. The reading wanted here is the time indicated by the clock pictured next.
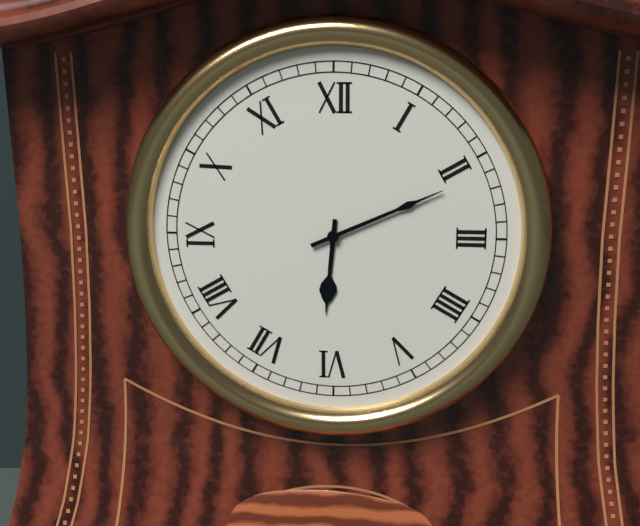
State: 6:11
